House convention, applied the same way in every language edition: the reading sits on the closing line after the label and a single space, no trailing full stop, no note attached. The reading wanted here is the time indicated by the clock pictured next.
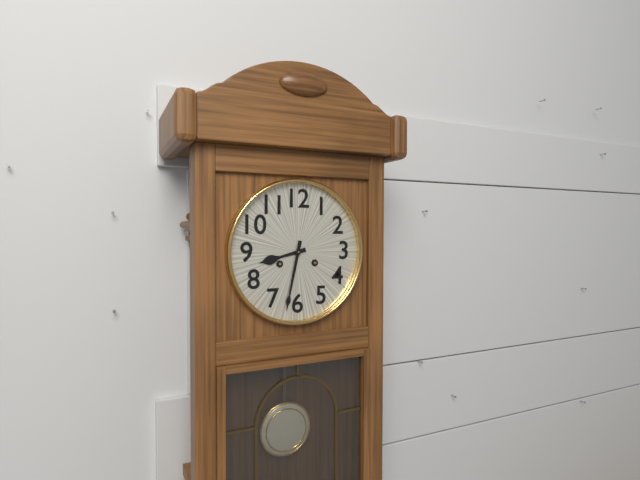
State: 8:32
